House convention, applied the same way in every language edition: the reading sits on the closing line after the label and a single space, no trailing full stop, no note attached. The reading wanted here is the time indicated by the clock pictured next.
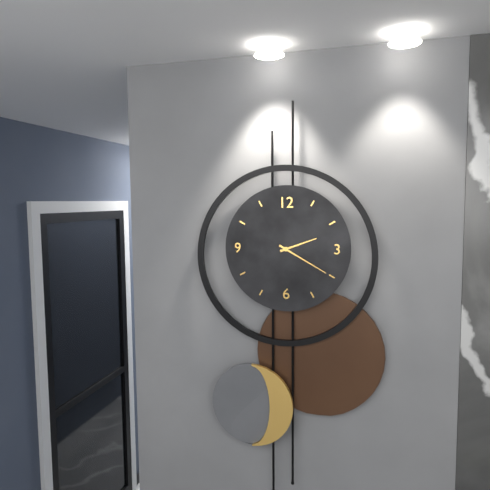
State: 2:20
